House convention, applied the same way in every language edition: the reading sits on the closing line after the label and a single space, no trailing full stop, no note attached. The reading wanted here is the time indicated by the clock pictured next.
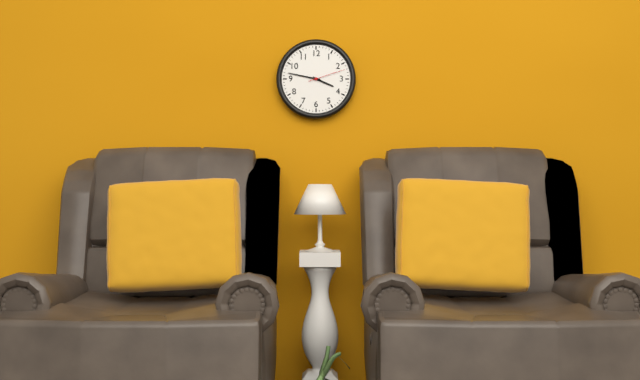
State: 3:47
